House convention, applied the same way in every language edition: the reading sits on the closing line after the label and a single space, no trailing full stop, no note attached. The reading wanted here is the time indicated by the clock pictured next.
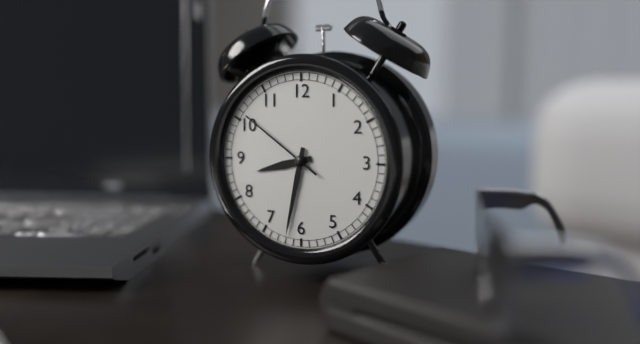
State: 8:32:51
